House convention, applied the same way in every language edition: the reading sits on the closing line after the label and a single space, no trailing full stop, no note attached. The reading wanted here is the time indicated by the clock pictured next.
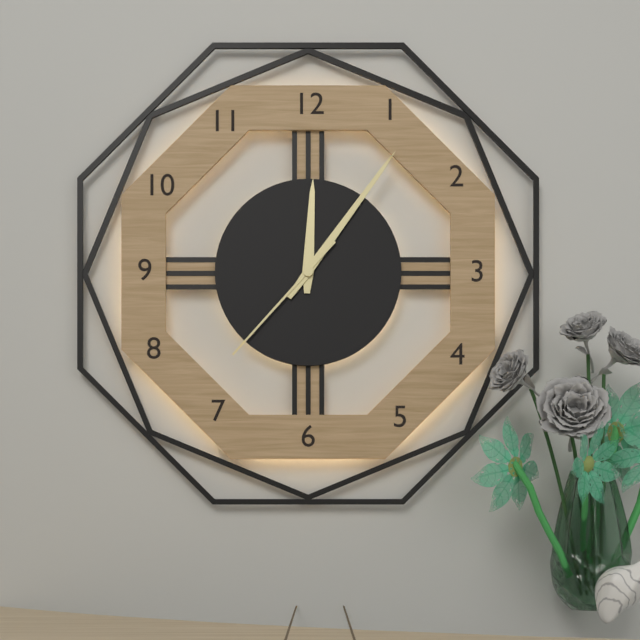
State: 12:06:37
